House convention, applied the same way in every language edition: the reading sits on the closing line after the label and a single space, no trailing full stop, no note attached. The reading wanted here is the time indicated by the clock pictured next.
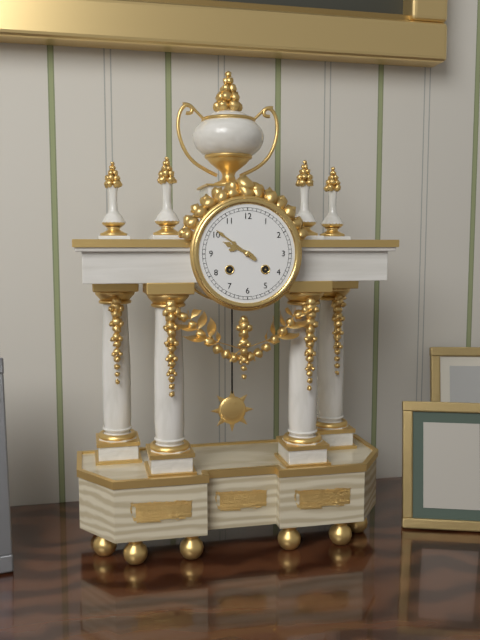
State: 9:51
